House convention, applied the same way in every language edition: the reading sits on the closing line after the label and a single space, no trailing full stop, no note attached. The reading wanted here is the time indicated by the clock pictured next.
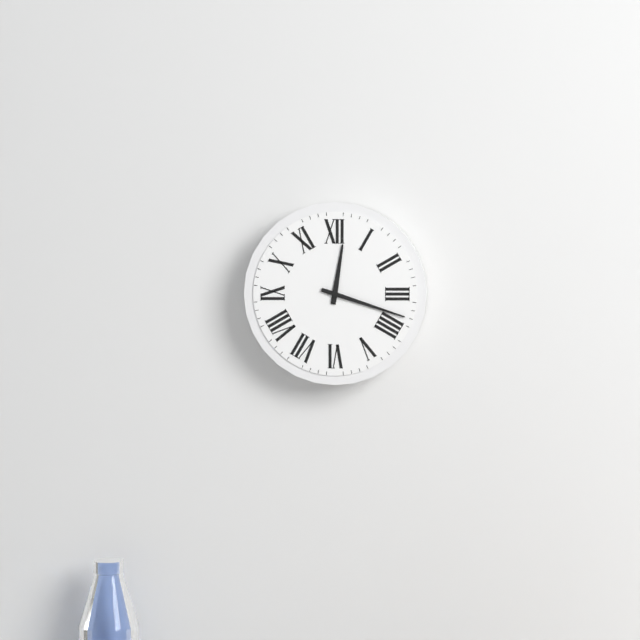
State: 12:18
